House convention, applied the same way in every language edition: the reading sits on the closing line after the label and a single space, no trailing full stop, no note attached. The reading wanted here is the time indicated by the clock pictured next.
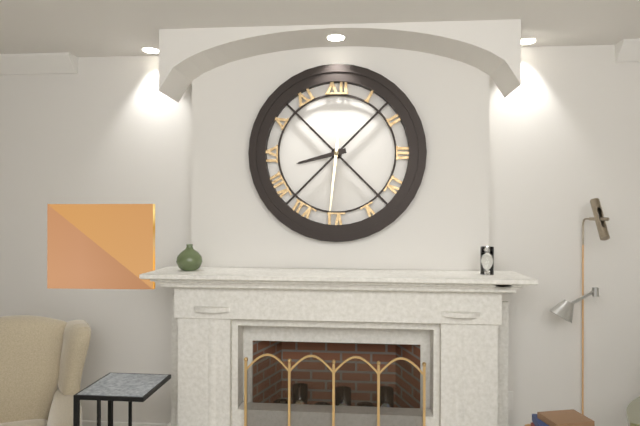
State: 8:31
